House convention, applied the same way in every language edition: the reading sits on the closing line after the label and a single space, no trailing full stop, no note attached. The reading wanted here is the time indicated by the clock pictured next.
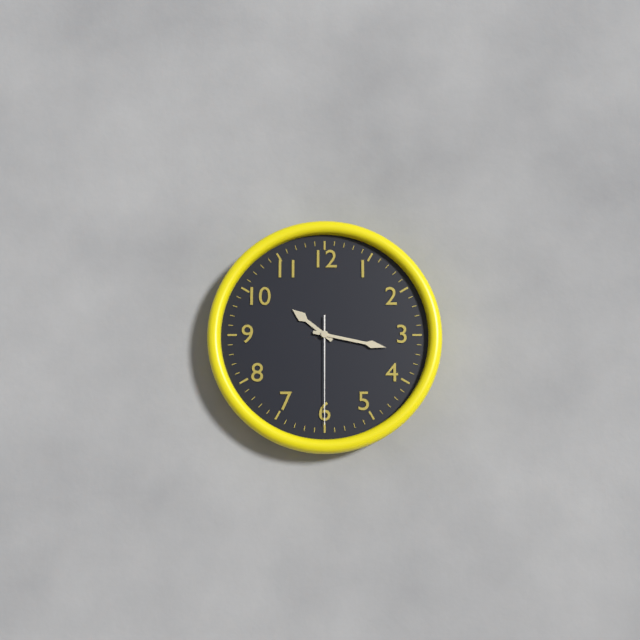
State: 10:17:30
